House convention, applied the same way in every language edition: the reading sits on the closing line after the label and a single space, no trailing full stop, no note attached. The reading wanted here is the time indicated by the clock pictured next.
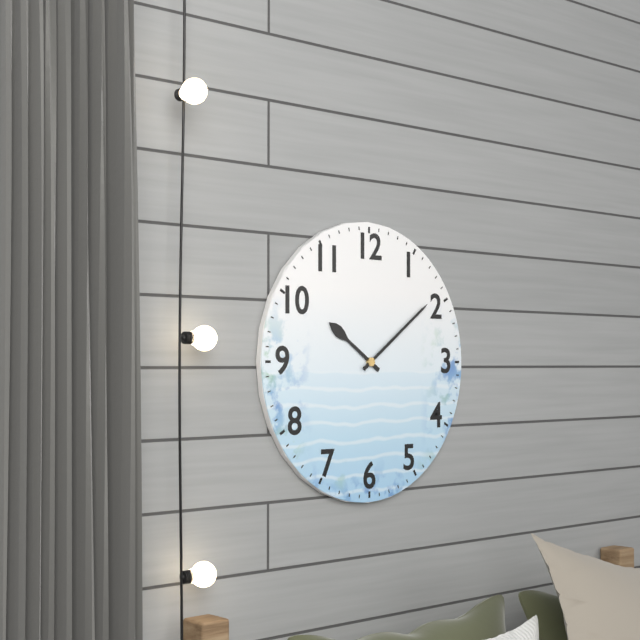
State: 10:09
